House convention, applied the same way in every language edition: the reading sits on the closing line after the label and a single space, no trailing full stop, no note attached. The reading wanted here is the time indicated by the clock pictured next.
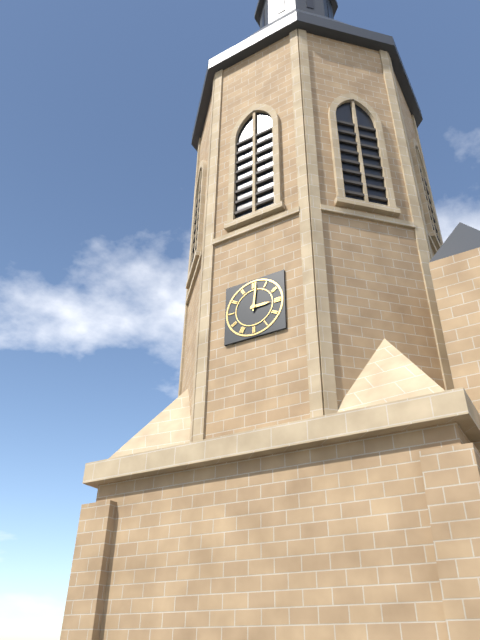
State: 3:01
